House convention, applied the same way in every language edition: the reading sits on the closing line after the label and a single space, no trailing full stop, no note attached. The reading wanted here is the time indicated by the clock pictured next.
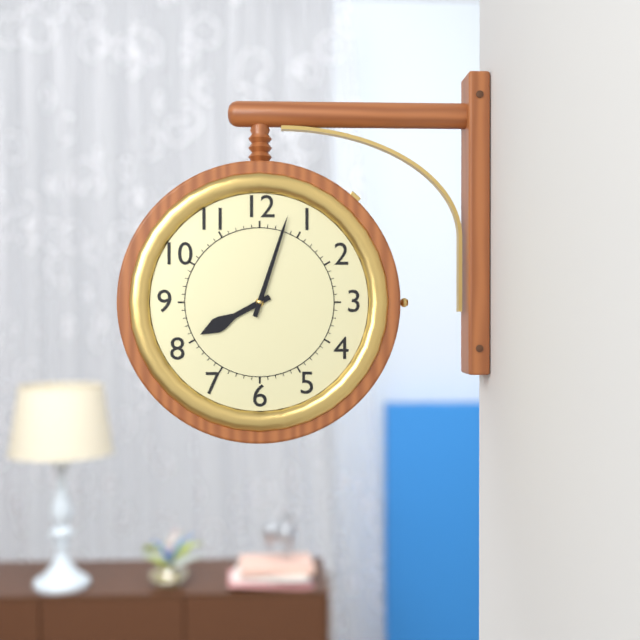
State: 8:03
